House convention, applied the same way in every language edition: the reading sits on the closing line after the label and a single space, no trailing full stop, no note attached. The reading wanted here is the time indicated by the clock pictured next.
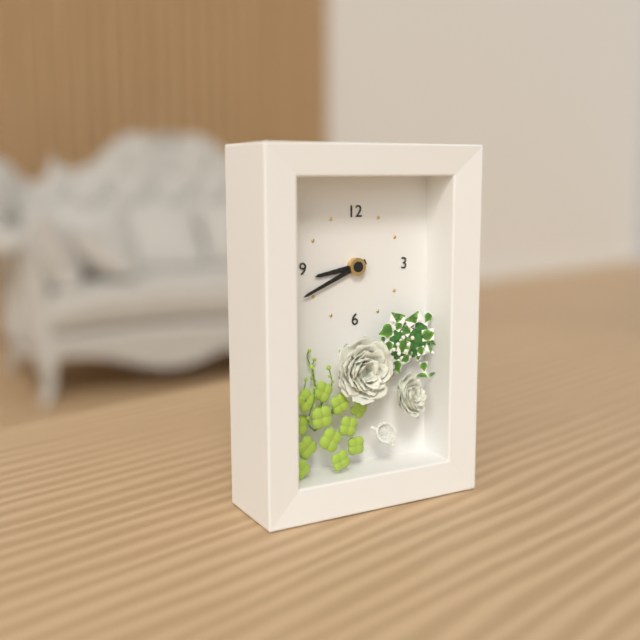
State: 8:41
